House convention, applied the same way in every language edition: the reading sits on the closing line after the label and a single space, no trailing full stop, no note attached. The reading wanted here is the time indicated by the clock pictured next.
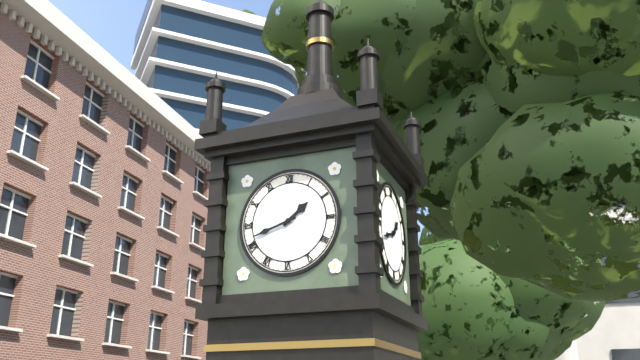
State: 1:42
